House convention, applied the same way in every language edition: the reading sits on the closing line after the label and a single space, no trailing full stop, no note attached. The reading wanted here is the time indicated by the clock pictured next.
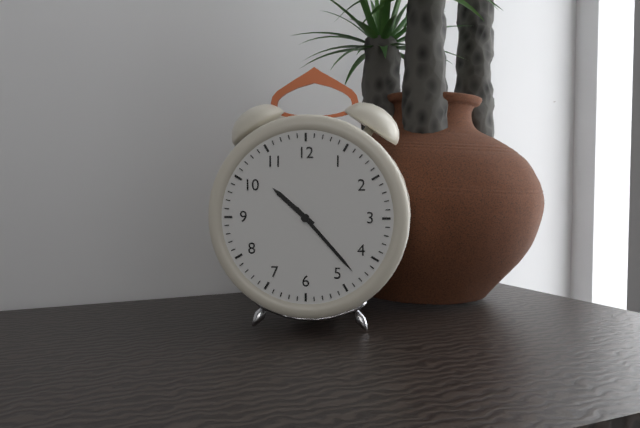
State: 10:23
